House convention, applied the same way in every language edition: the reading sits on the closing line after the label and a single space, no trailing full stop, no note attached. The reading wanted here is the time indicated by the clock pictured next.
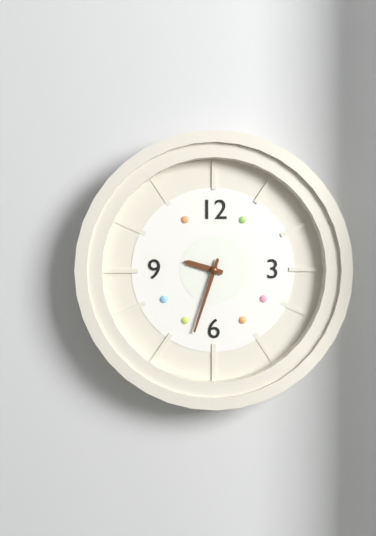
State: 9:33
